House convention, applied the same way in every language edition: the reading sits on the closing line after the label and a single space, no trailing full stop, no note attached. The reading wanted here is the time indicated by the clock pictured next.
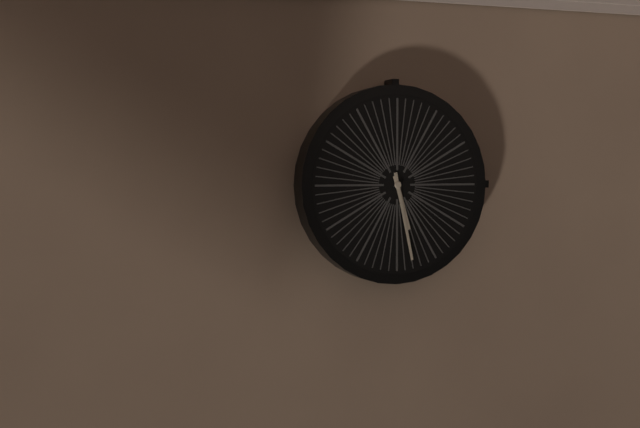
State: 5:28
